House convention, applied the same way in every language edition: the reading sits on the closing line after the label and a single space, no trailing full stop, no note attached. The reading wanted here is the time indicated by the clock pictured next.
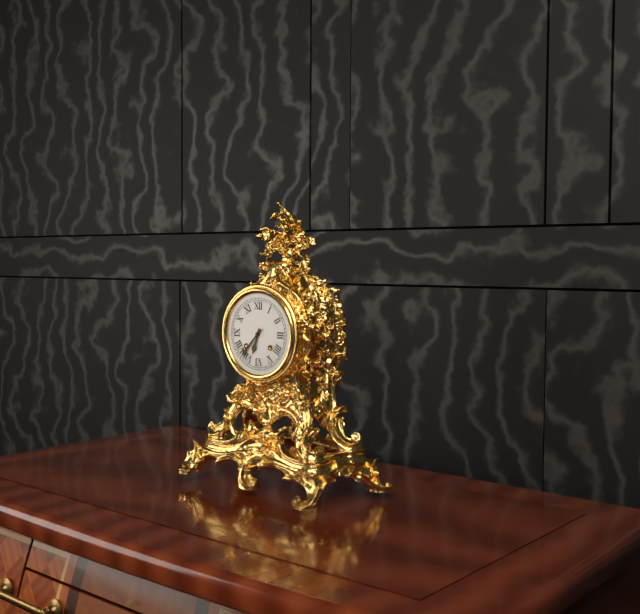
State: 6:37
